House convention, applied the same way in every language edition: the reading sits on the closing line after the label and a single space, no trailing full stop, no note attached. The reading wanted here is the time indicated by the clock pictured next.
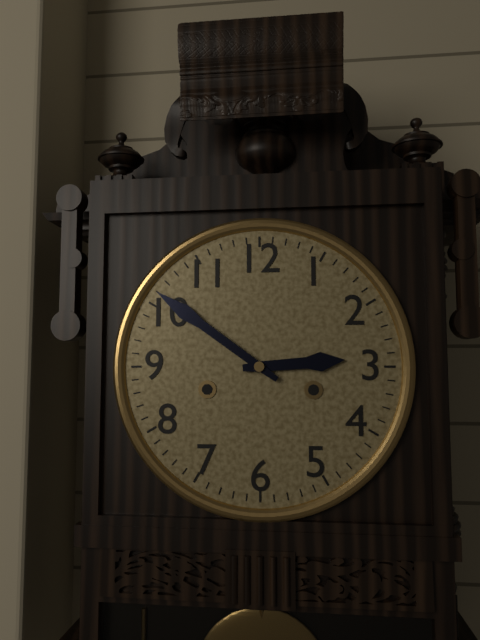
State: 2:51
